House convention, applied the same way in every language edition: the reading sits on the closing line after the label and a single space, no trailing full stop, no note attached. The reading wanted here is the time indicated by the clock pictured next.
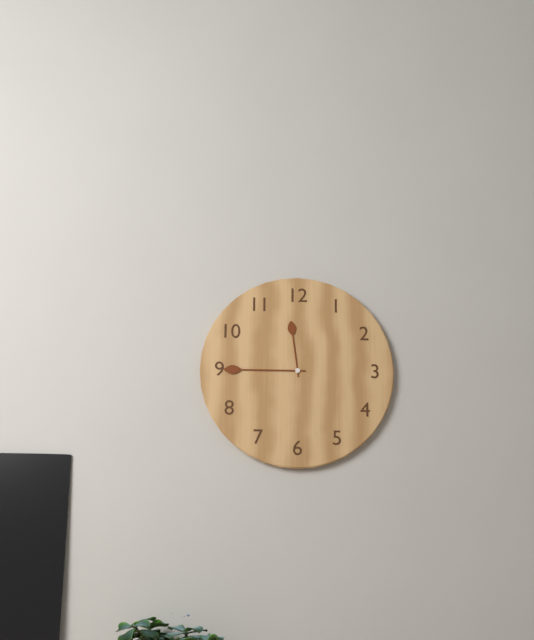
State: 11:45
